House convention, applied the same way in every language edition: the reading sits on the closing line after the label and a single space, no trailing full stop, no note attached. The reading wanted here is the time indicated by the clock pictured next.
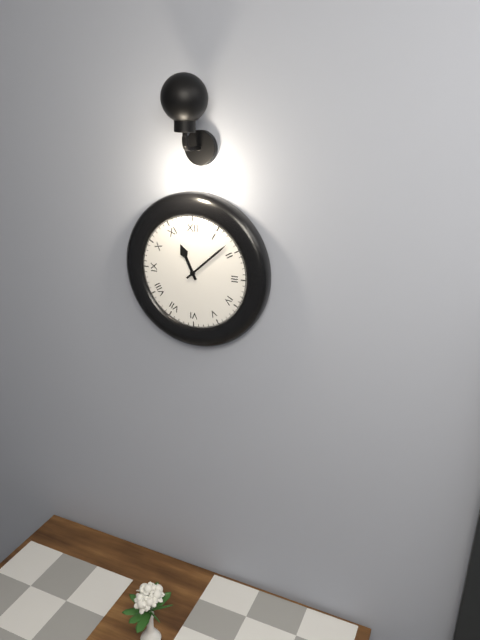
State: 11:08
